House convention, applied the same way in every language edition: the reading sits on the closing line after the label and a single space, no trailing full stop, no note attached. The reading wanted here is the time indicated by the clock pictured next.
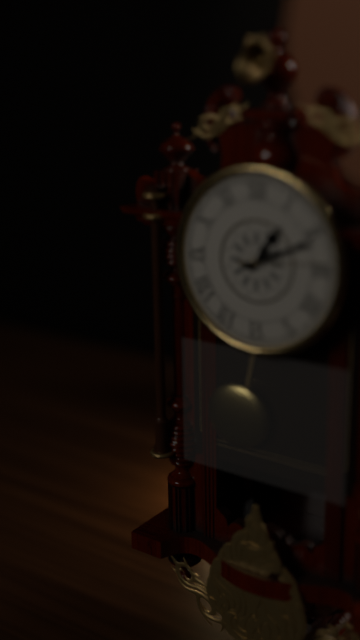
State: 1:11:14
